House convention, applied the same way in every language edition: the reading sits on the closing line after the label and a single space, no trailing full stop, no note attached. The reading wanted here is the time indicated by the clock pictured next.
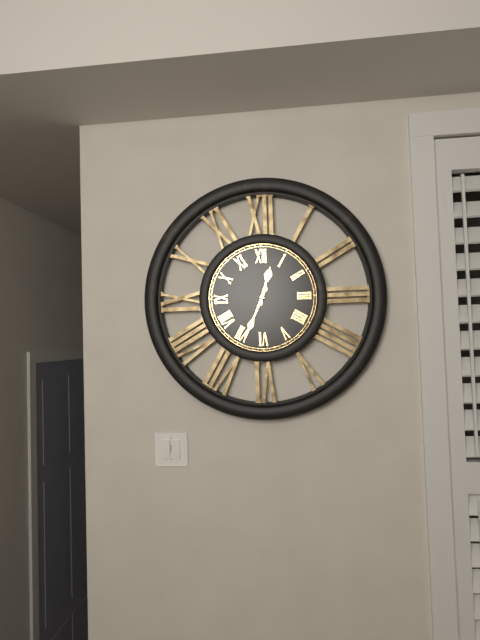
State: 12:34
